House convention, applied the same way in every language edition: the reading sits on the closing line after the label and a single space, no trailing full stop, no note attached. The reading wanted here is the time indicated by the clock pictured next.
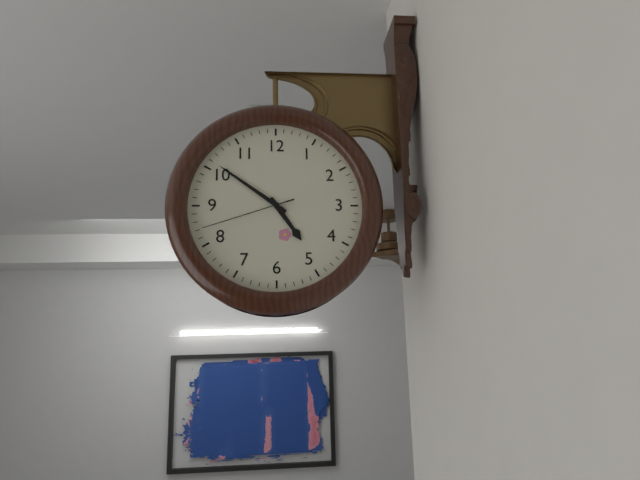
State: 4:51:42
